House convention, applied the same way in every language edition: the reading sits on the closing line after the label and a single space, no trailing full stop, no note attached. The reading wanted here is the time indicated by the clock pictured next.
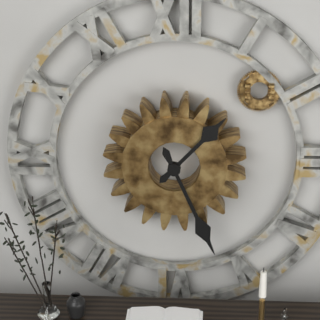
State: 1:26
